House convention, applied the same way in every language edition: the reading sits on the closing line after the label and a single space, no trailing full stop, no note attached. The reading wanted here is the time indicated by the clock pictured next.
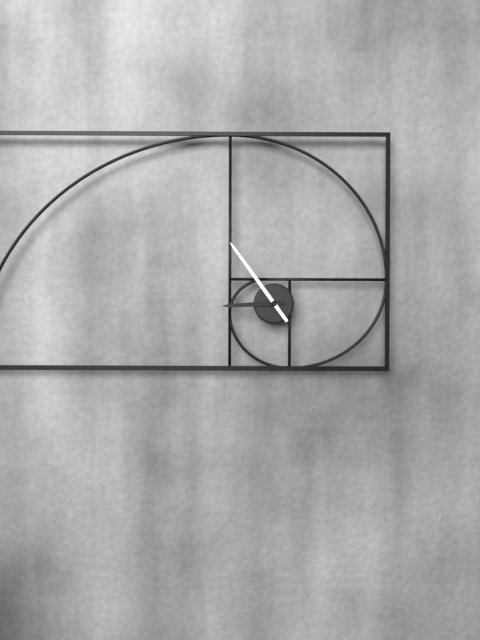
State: 8:54
